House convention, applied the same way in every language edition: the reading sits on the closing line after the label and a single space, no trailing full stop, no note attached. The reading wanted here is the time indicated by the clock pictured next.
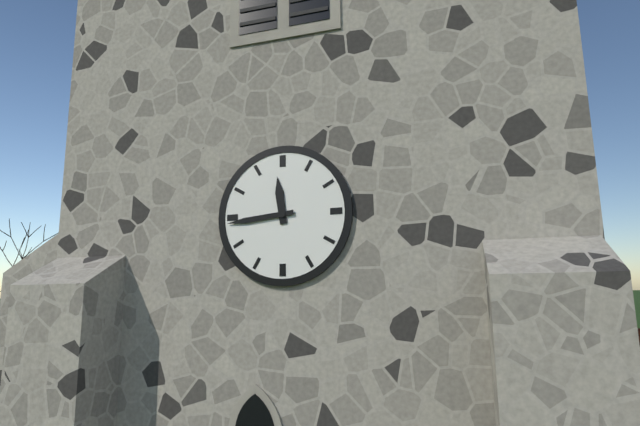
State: 11:44
